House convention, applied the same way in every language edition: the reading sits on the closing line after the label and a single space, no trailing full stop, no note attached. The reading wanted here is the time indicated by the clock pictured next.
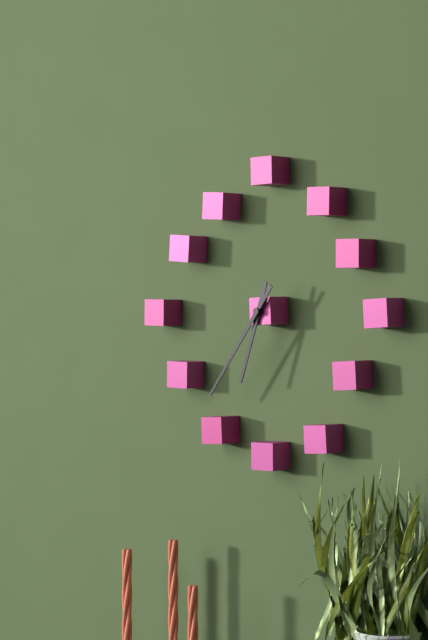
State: 6:36
